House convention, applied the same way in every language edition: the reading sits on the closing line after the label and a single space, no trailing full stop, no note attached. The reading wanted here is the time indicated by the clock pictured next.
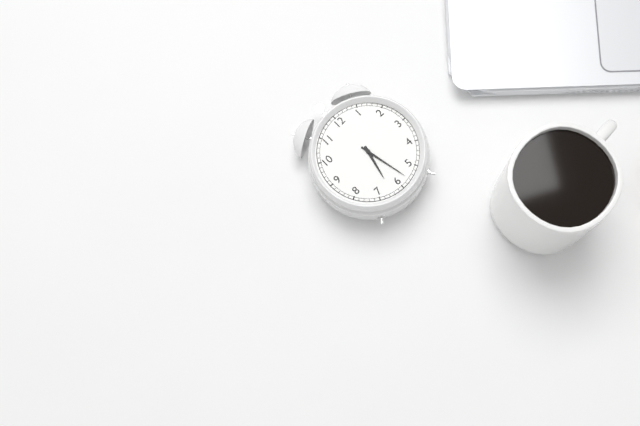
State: 6:28
